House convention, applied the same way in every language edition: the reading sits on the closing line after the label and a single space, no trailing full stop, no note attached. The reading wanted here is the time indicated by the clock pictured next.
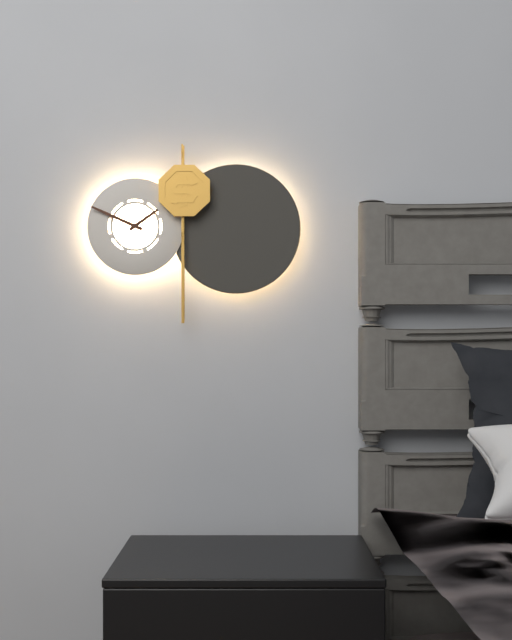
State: 1:49
